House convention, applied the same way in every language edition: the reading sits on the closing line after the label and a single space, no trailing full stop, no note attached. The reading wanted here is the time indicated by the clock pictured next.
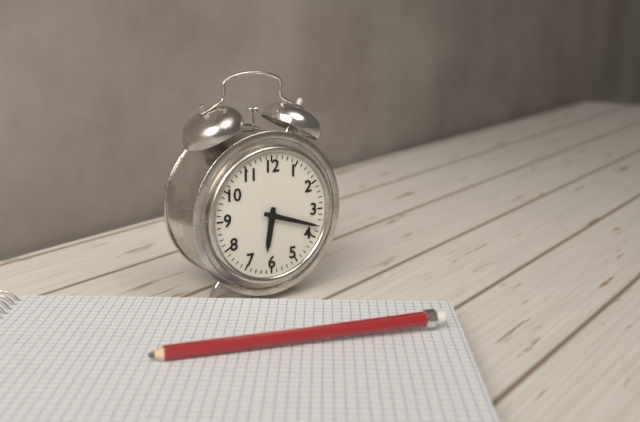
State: 6:18
